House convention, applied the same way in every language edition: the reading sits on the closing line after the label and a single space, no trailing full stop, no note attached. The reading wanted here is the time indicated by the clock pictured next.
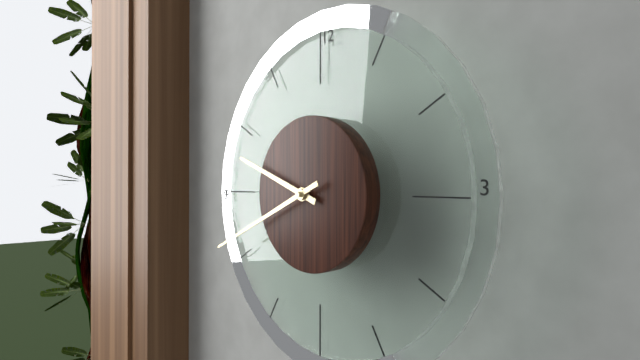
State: 9:41
